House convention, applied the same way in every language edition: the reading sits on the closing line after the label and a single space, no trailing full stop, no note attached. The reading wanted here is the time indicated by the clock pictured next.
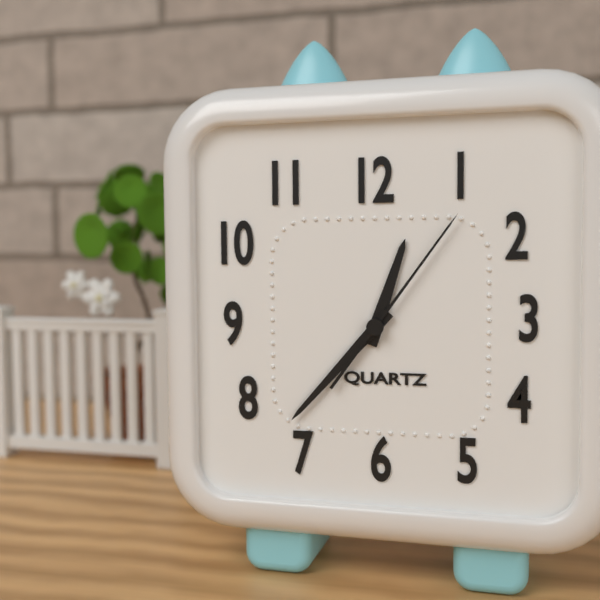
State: 12:37:06
